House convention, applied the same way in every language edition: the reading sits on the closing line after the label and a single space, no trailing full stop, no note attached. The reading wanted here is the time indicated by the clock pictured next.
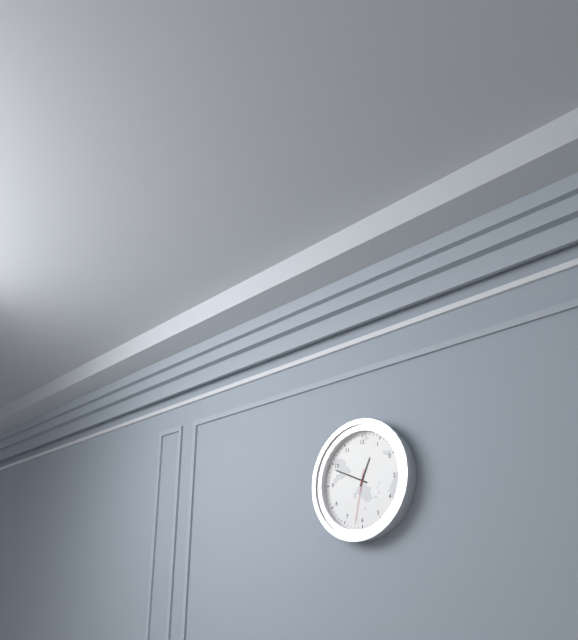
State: 12:49:32
